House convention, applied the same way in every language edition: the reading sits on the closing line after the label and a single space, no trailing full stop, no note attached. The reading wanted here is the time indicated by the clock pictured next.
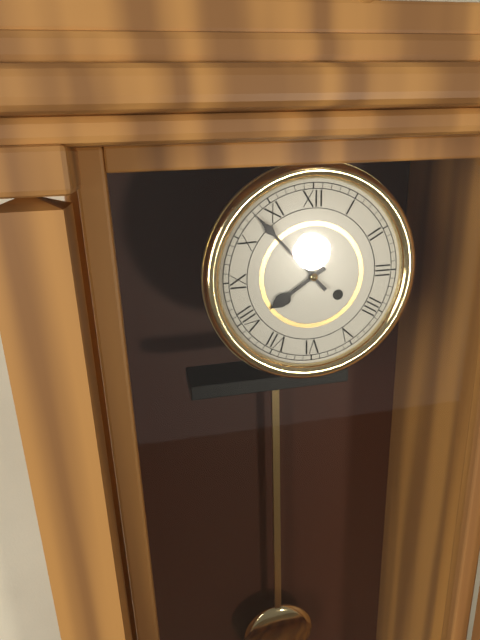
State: 7:53
